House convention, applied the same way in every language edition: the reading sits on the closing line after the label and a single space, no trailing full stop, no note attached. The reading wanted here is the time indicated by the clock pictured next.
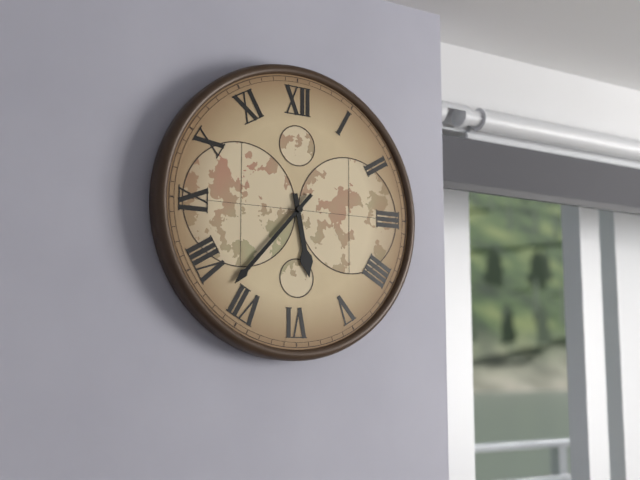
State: 5:37
